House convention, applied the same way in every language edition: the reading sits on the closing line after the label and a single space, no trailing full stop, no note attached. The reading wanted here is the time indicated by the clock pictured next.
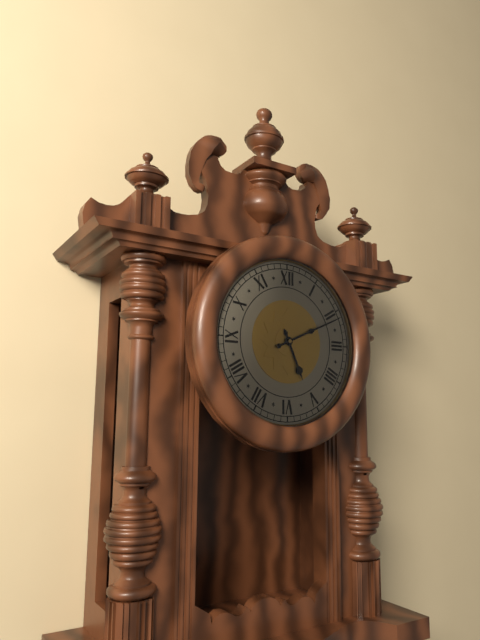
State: 5:11
